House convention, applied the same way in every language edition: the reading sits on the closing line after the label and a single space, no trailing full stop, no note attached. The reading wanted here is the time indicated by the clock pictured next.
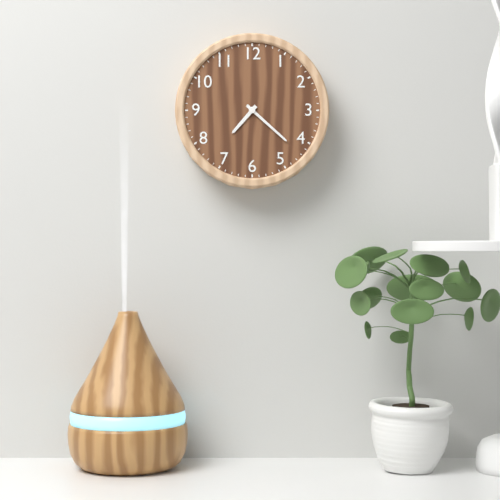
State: 7:22
